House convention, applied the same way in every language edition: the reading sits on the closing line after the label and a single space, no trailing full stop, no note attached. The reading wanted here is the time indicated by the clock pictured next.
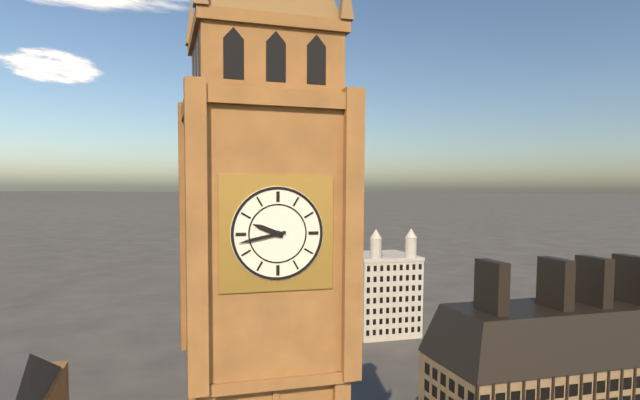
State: 9:43
